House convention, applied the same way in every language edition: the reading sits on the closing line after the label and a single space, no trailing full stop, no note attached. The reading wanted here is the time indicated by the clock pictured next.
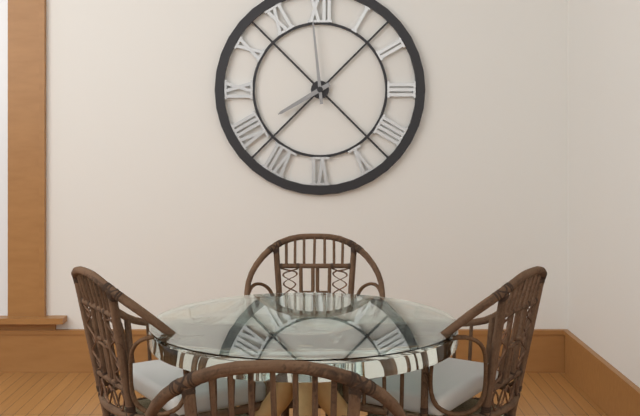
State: 7:59
